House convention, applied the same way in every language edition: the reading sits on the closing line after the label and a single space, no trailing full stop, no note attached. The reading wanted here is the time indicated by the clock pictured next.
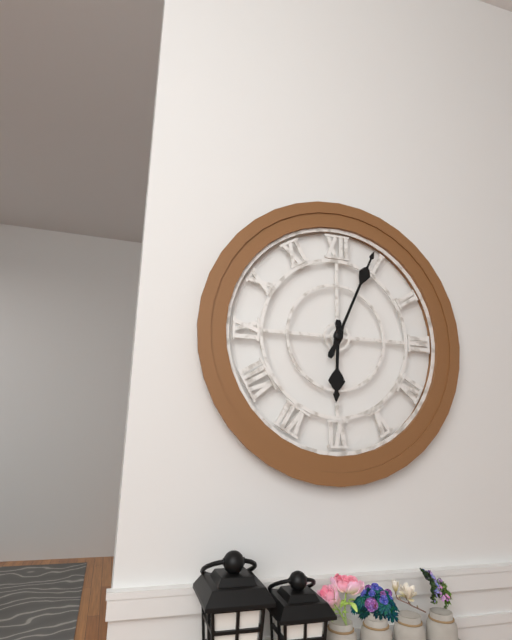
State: 6:04
